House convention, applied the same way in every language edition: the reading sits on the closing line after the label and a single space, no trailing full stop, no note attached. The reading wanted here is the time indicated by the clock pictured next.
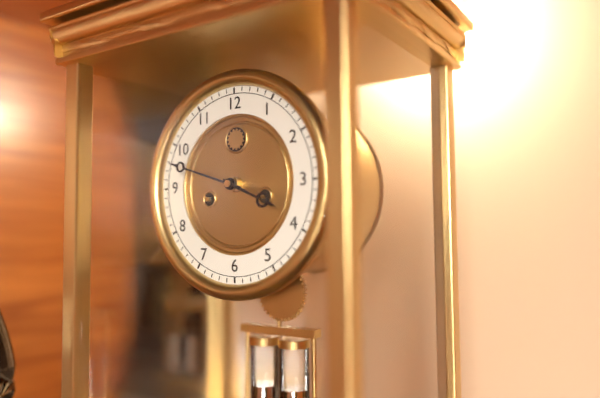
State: 3:48
